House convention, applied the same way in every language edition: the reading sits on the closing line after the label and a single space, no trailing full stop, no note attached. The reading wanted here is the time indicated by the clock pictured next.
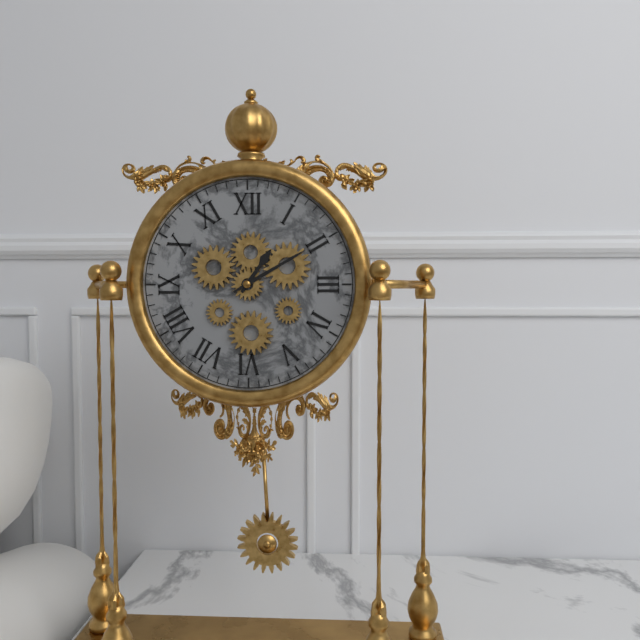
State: 1:10
